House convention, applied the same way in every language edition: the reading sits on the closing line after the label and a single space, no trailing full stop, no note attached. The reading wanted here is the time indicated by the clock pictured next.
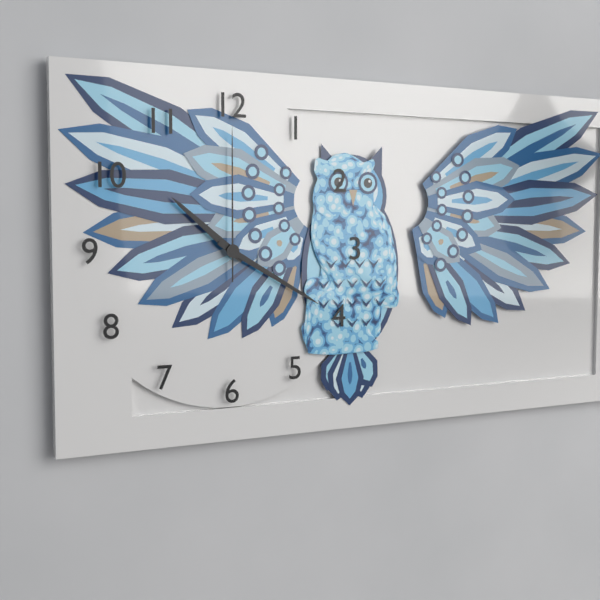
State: 10:20:00
